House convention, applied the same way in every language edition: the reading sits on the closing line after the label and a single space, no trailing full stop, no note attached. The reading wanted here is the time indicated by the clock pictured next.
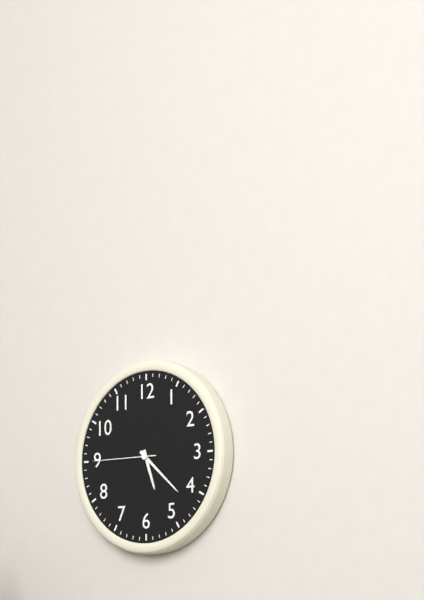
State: 5:22:45
